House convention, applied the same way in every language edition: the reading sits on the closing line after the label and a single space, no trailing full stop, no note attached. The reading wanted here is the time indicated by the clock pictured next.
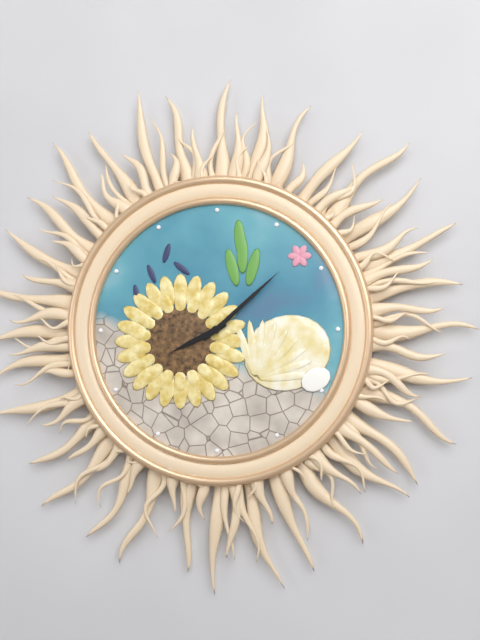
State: 8:08
